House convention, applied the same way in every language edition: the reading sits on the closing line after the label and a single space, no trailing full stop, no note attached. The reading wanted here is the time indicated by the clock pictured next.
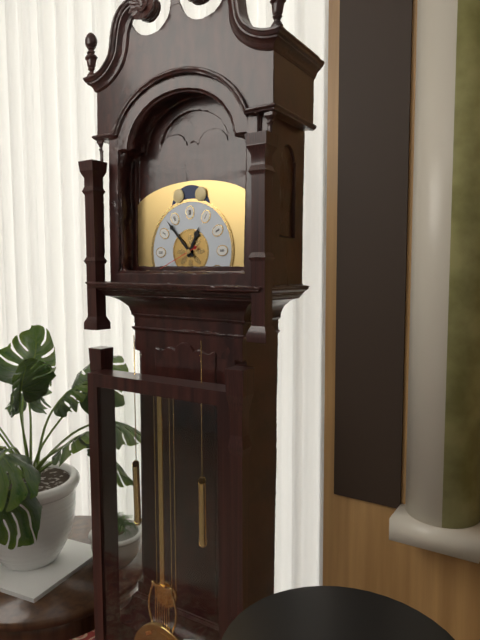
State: 12:53
